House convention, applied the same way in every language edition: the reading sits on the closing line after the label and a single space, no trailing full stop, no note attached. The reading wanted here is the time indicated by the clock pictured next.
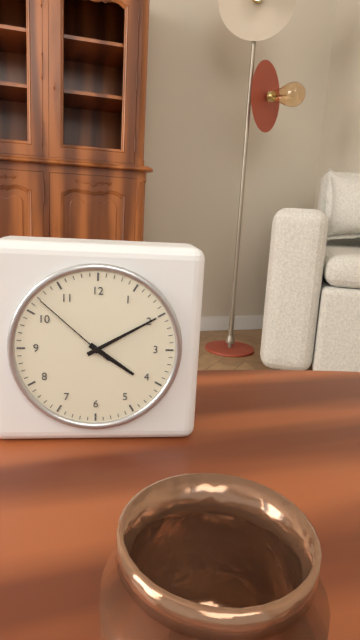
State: 4:10:52
